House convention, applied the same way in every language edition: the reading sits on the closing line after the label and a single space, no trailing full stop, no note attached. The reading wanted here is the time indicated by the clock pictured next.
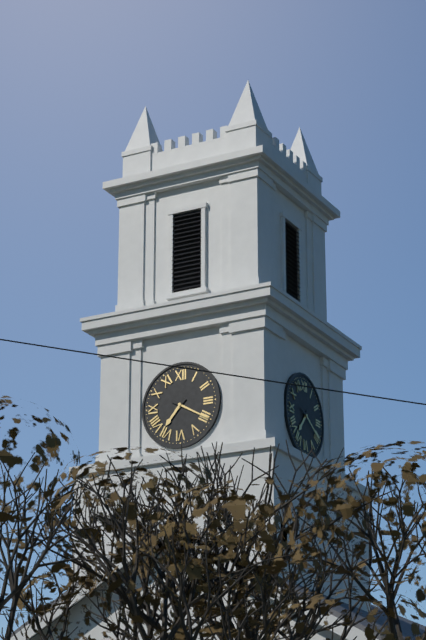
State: 7:20
